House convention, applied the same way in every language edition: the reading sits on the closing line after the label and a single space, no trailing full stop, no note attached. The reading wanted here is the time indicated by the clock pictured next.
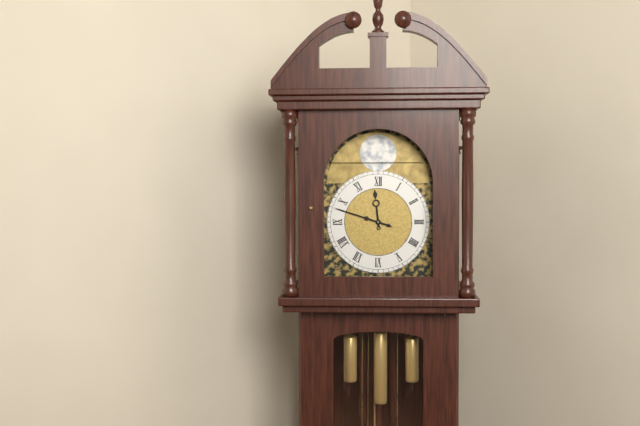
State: 11:48
